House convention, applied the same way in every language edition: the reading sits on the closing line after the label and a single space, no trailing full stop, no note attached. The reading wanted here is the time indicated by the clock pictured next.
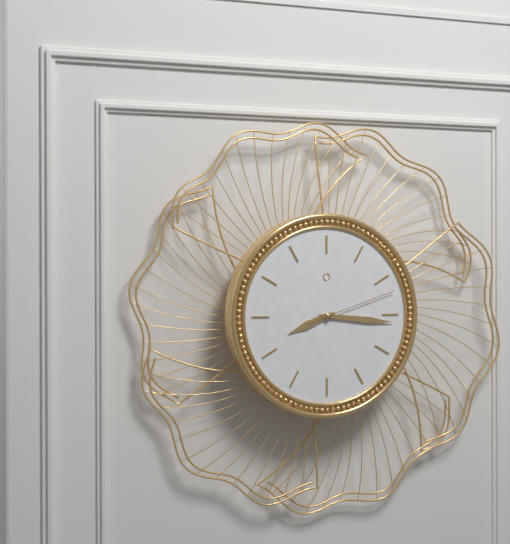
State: 8:16:12
